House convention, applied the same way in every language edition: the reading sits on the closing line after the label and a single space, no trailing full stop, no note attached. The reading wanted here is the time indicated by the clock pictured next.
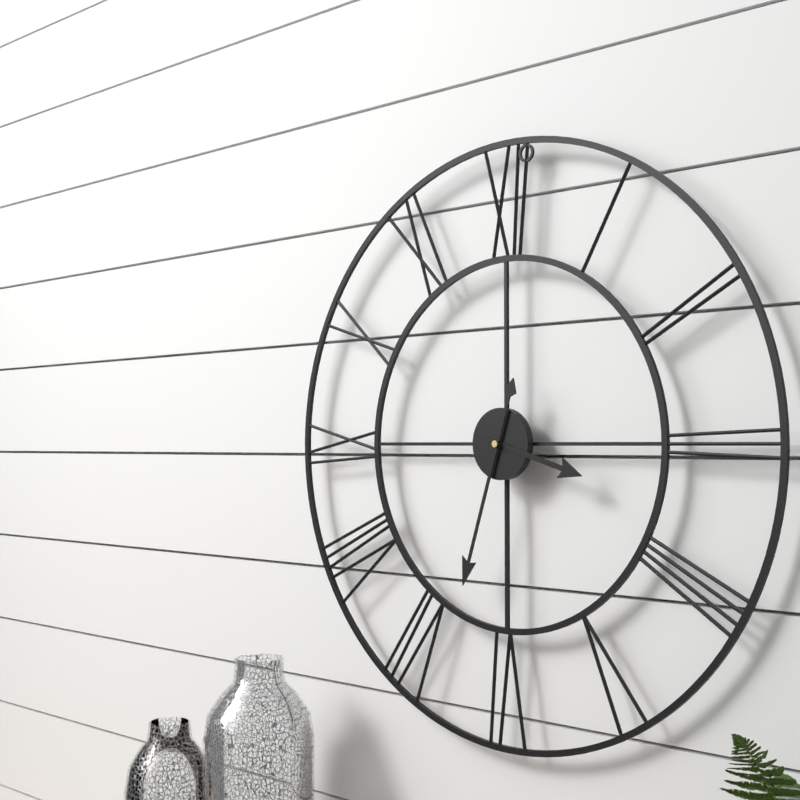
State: 3:33
